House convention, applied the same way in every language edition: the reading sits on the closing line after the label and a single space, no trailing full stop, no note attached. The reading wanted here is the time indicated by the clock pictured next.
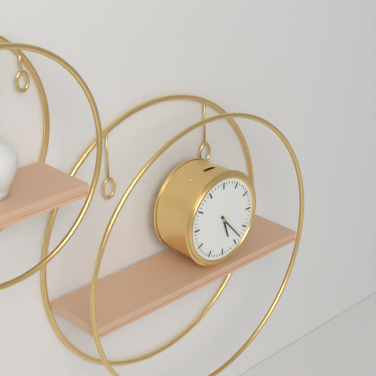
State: 5:23
